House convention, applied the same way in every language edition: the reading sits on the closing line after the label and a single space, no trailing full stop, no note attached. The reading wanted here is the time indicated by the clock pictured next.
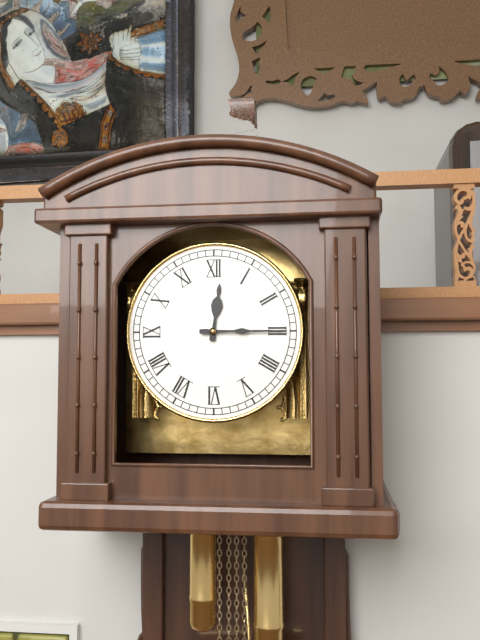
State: 12:15
